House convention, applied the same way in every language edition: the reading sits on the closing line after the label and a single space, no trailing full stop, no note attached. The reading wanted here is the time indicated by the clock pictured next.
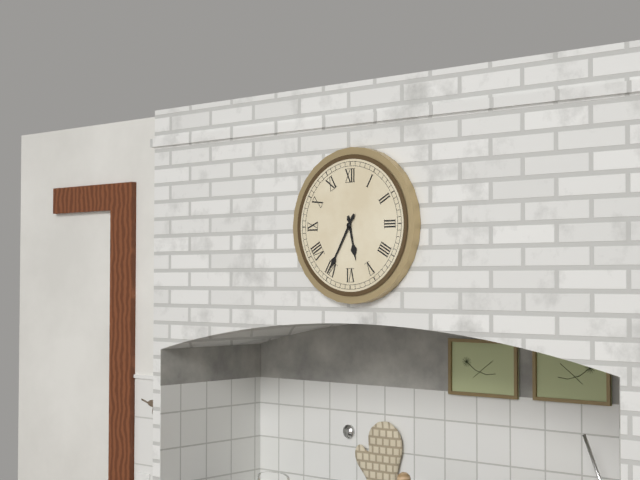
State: 5:35
